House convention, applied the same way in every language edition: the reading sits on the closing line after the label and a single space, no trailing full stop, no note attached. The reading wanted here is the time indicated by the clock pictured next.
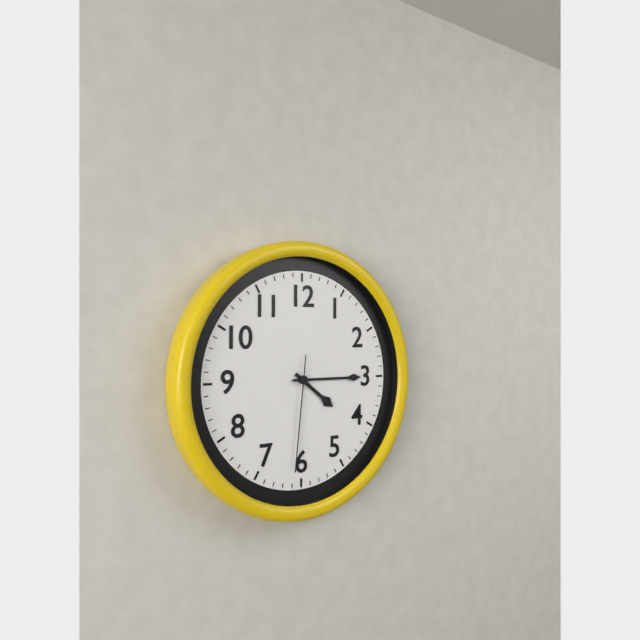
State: 4:15:31
